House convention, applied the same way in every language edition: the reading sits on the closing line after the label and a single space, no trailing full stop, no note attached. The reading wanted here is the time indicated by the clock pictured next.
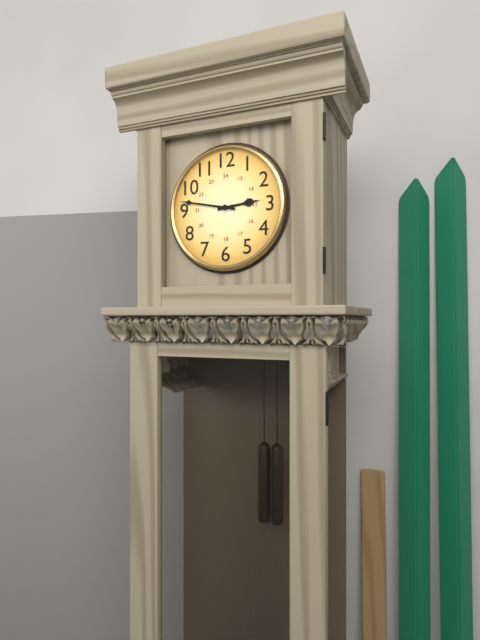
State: 2:47
